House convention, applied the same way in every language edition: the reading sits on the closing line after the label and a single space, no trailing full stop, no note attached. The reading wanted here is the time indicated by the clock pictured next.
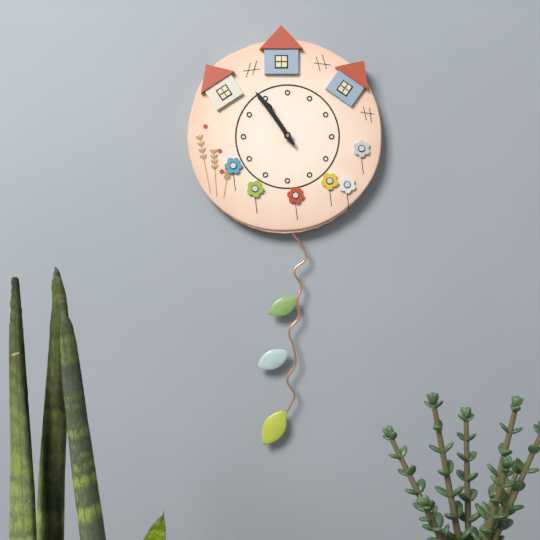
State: 10:54
